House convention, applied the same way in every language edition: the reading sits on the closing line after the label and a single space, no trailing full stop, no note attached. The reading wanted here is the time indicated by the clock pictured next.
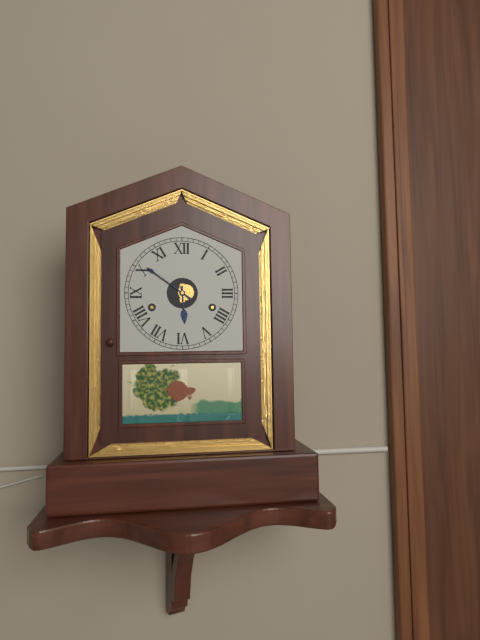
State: 5:51
